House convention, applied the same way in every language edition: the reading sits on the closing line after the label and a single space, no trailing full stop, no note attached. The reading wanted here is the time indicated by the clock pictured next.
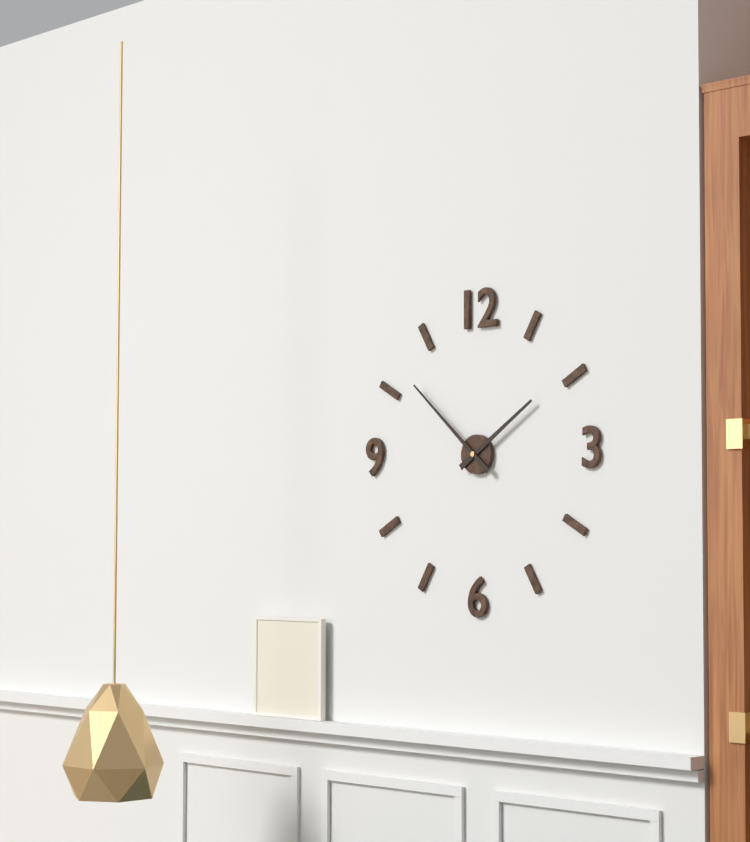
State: 1:52
